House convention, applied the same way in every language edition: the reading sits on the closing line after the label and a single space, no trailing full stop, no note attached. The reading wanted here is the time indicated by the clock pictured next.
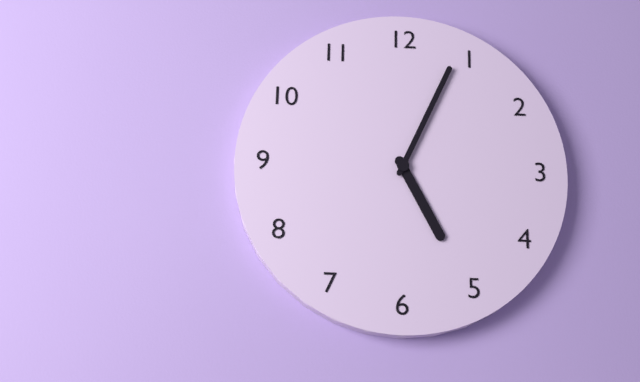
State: 5:04
